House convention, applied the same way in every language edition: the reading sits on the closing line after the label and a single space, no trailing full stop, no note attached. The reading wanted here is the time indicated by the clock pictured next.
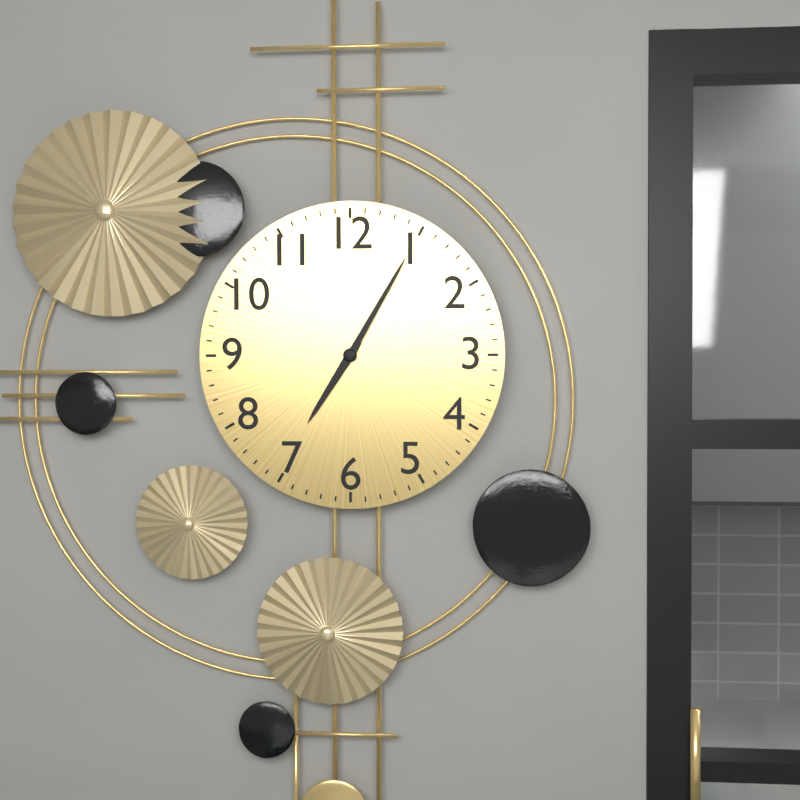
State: 7:05
